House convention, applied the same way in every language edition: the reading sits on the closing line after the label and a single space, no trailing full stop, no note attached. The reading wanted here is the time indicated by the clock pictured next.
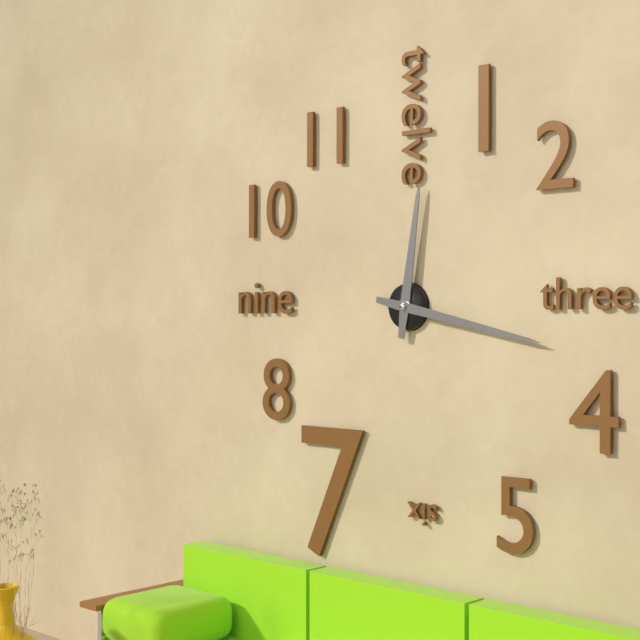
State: 12:17
